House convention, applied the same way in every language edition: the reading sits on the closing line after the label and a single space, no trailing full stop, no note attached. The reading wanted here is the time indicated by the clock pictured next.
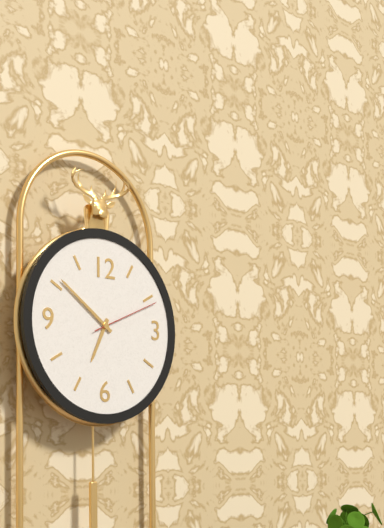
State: 6:51:11
